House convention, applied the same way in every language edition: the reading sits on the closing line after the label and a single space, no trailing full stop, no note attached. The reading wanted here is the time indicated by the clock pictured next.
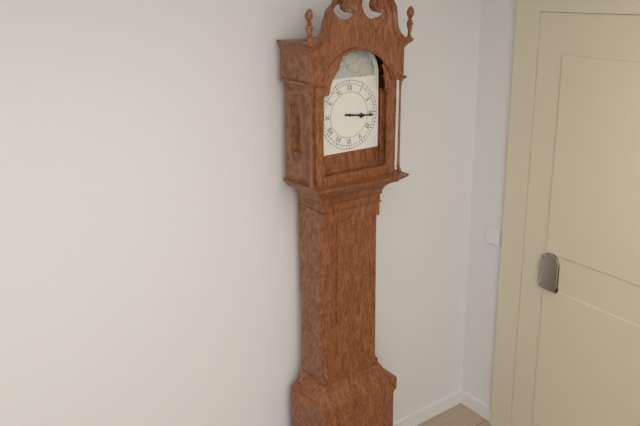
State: 3:16
